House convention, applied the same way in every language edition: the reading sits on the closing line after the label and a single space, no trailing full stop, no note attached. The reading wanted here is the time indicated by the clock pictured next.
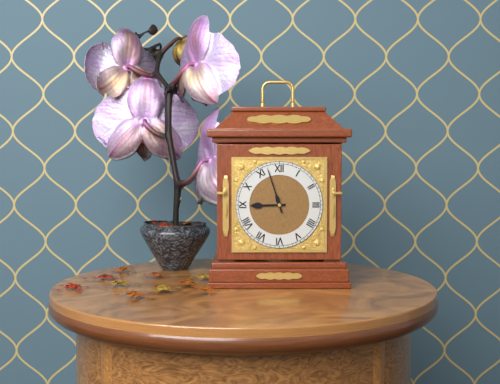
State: 8:57
